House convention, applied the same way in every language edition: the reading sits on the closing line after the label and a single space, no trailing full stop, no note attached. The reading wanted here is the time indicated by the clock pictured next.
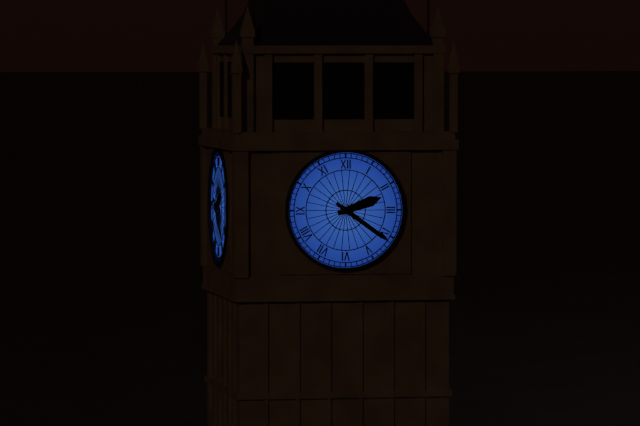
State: 2:21
